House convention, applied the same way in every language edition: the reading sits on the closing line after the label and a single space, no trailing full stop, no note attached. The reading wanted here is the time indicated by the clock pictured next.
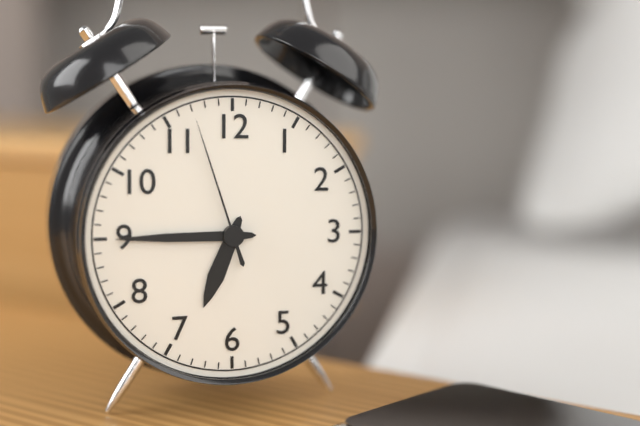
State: 6:45:57
